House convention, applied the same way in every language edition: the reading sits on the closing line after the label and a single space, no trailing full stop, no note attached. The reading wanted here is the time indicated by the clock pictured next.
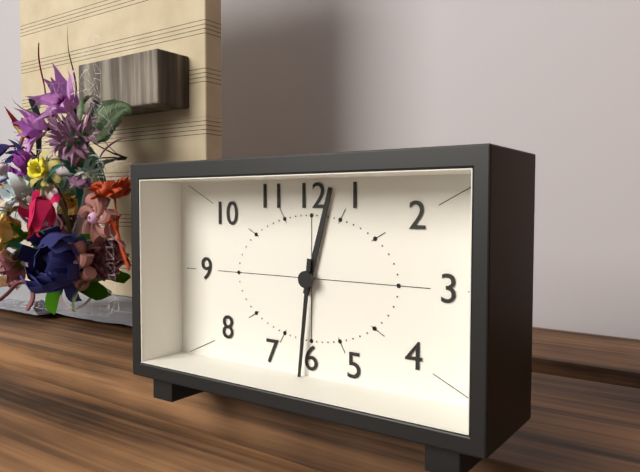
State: 12:31
